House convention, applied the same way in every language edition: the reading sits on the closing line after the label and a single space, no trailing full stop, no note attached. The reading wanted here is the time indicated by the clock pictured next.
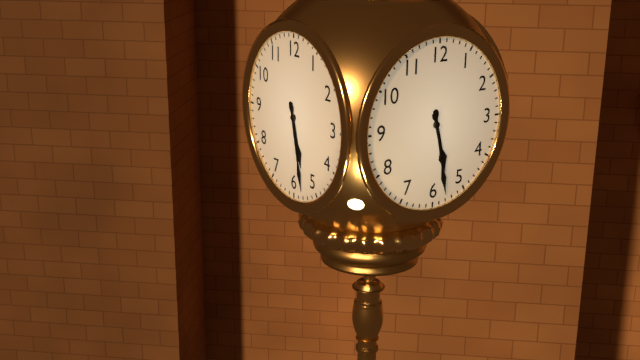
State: 5:28
